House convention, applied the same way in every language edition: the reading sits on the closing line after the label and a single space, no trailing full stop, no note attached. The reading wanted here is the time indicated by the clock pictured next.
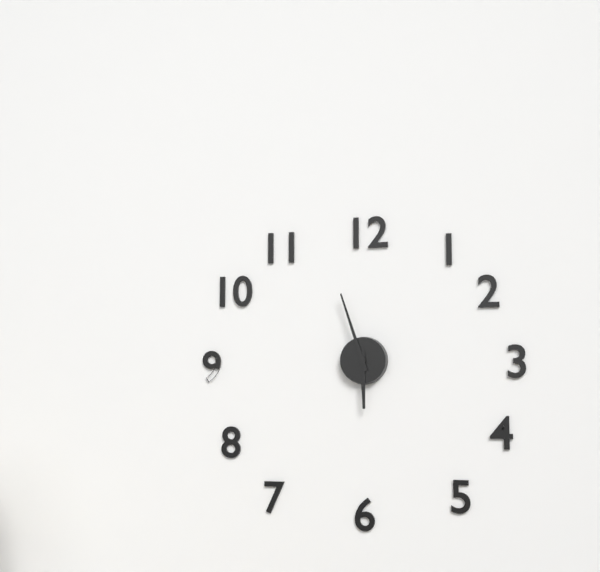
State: 5:57
